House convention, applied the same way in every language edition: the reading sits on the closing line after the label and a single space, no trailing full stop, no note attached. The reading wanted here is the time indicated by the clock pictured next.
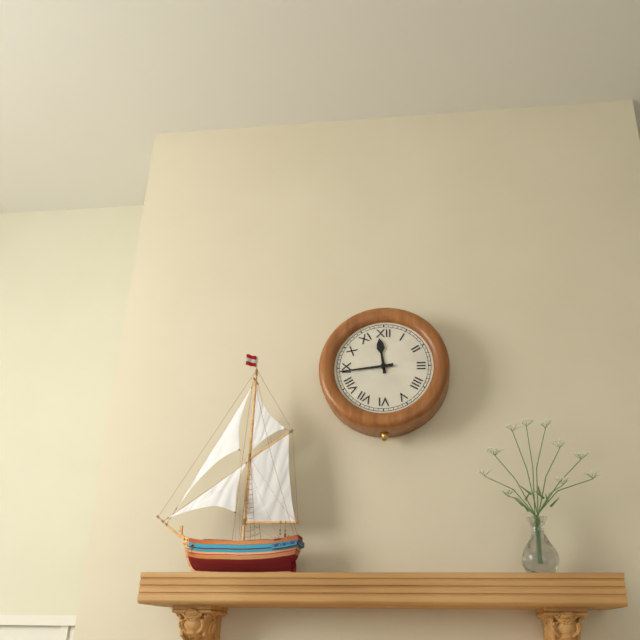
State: 11:44
